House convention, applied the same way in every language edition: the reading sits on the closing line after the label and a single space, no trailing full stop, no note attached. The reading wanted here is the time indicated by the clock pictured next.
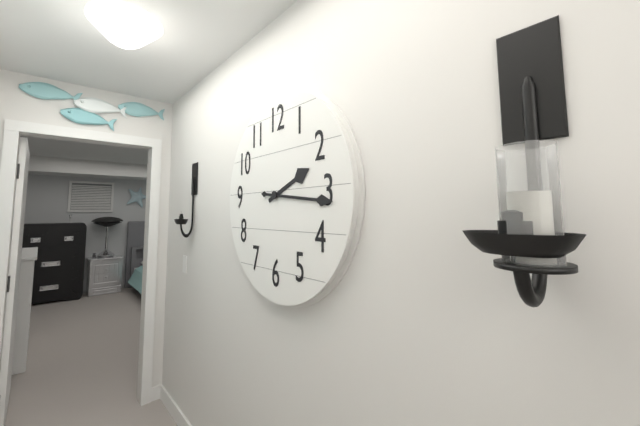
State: 2:16
